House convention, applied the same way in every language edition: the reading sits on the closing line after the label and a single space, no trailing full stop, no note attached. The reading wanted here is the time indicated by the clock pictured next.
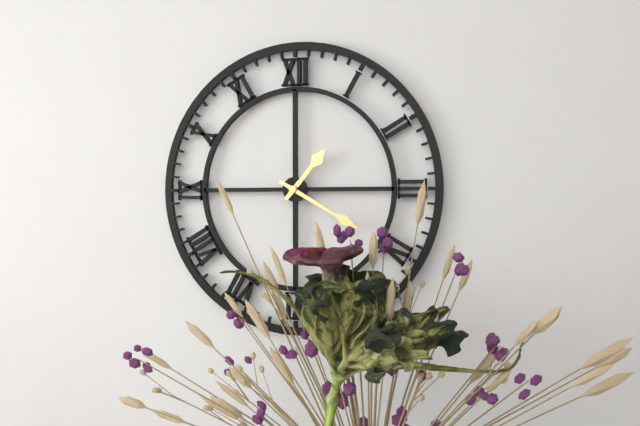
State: 1:20
